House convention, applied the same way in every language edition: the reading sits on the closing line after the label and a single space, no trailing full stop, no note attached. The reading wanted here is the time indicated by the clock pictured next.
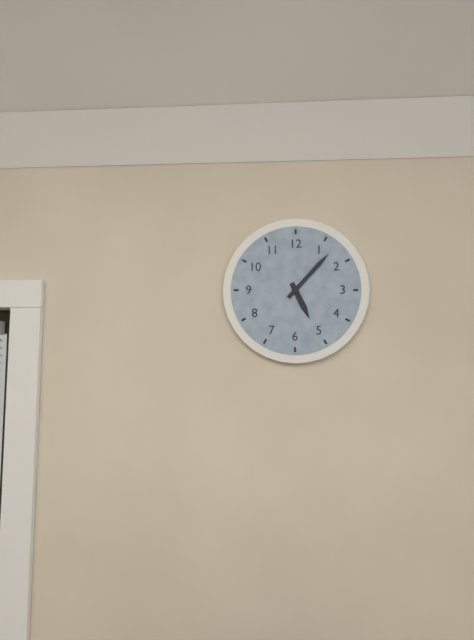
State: 5:07
